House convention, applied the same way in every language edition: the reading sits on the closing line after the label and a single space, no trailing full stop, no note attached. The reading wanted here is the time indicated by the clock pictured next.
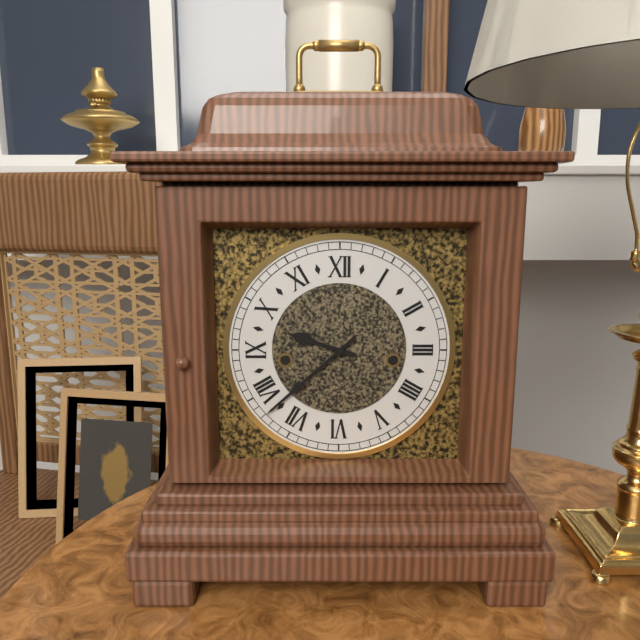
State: 9:38
